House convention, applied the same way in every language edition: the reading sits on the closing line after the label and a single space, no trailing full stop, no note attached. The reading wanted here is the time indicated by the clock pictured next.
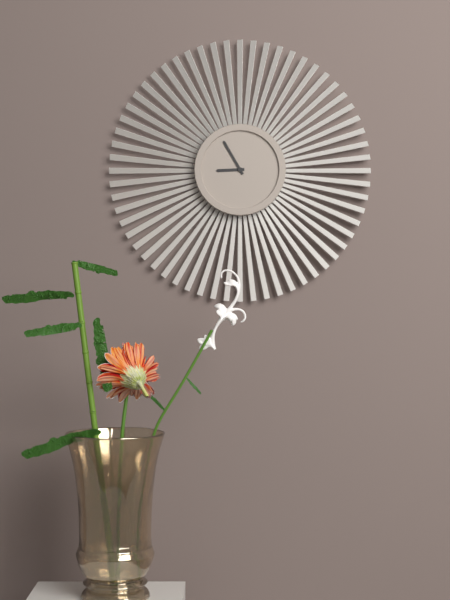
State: 8:55
